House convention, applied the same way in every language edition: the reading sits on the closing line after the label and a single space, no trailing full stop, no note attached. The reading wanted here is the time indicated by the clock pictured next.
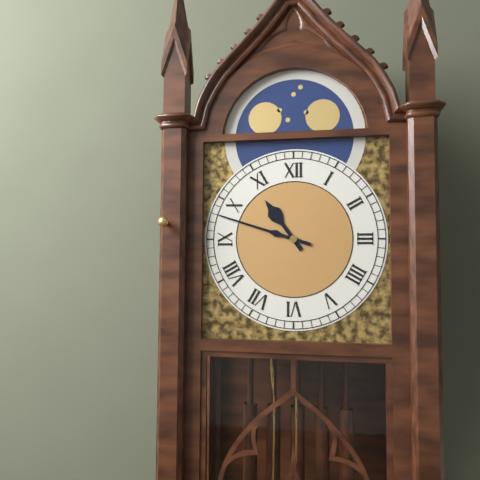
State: 10:48
